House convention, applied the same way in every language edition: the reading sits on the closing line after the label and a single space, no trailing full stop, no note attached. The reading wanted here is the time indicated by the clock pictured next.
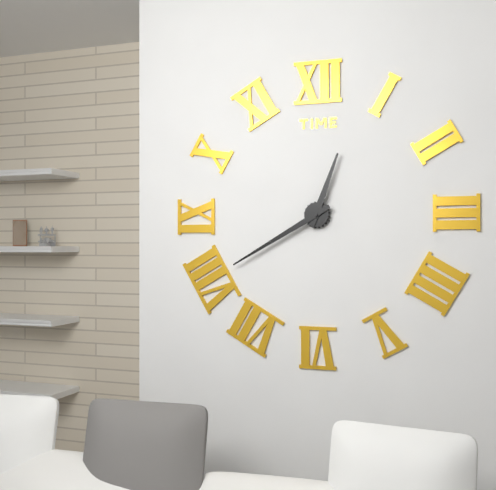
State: 12:40
